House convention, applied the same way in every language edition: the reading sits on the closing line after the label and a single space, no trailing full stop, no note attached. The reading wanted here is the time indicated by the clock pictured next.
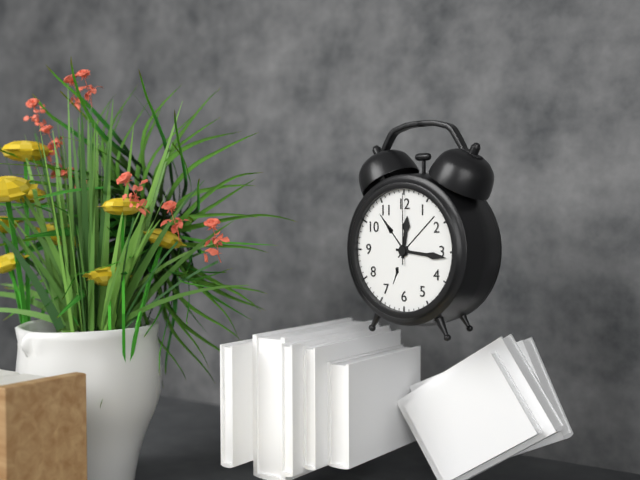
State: 12:16:00
